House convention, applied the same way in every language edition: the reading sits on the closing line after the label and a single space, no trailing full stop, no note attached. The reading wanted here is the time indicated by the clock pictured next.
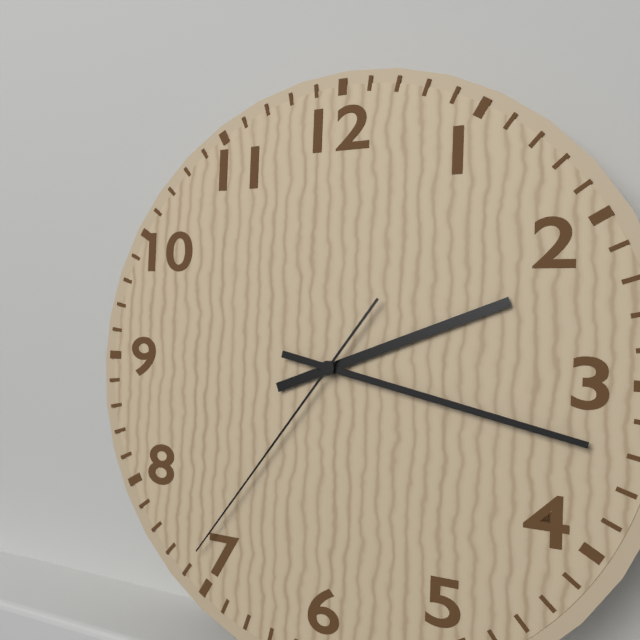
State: 2:17:36
